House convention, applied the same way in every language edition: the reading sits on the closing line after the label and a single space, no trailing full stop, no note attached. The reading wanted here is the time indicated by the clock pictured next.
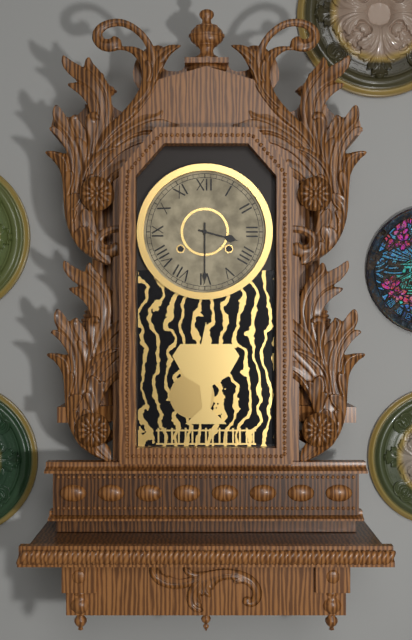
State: 3:30
